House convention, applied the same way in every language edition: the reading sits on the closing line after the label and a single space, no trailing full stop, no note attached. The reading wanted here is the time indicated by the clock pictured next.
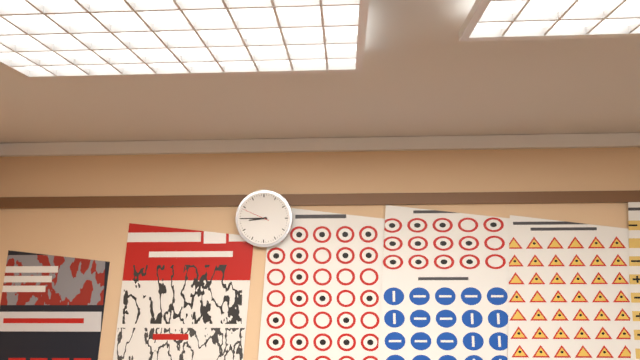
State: 8:45
